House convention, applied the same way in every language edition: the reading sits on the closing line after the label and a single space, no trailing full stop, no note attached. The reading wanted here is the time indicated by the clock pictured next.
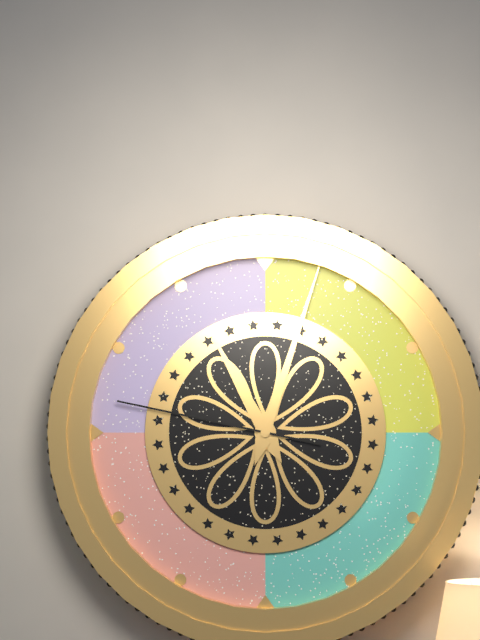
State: 11:03:47
